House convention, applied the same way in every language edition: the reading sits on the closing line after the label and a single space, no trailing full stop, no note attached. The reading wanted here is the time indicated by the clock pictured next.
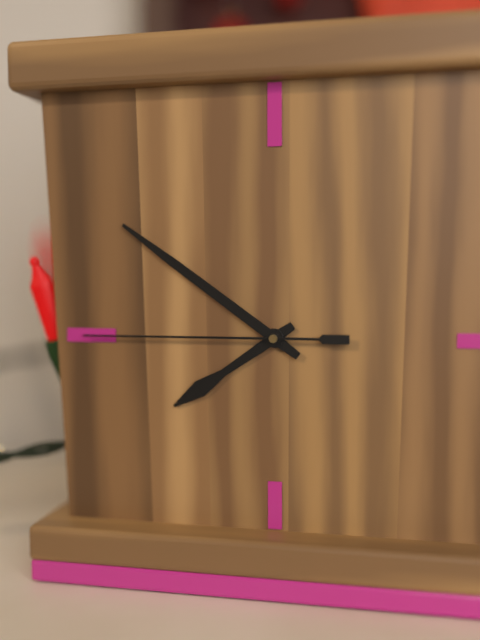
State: 7:51:45
